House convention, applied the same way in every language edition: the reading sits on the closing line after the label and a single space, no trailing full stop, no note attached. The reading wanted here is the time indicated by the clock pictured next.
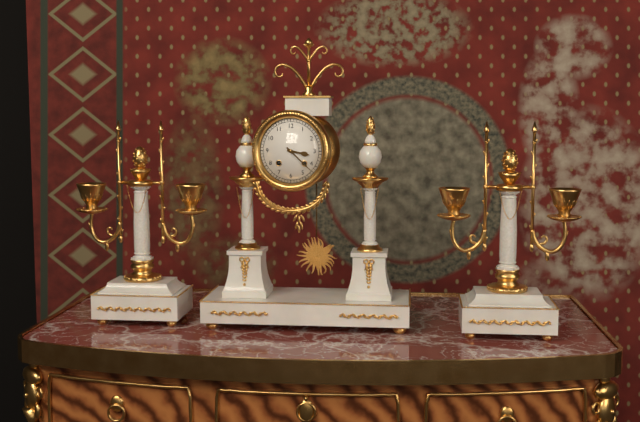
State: 3:22
